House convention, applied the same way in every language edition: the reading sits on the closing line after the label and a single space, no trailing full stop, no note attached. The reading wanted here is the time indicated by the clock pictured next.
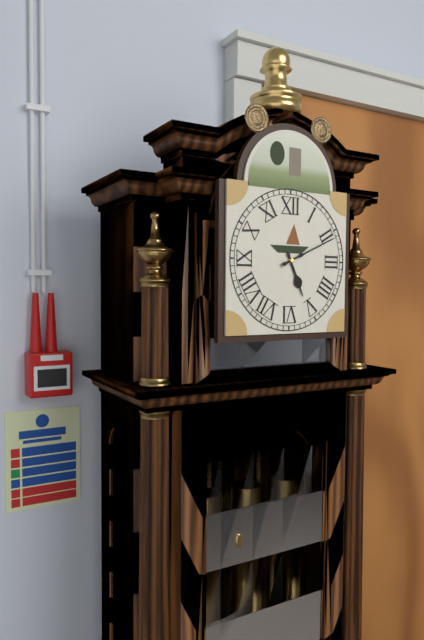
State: 5:11
